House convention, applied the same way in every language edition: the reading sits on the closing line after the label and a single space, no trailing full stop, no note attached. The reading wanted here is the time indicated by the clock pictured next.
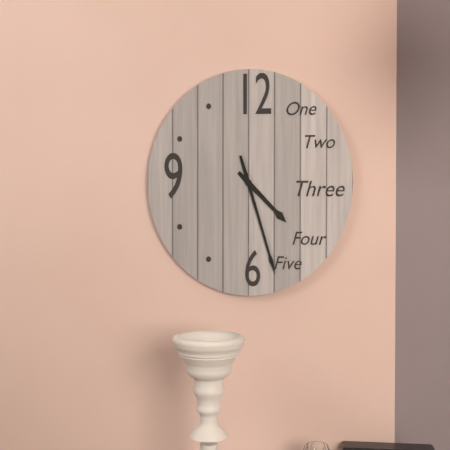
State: 4:27
